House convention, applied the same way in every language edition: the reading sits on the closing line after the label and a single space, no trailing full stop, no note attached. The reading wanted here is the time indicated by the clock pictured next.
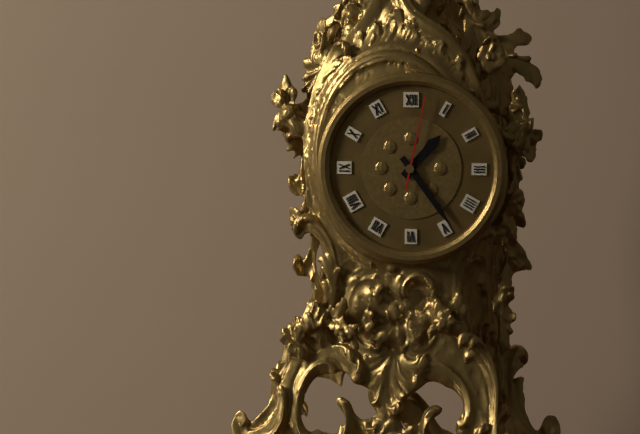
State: 1:24:02
